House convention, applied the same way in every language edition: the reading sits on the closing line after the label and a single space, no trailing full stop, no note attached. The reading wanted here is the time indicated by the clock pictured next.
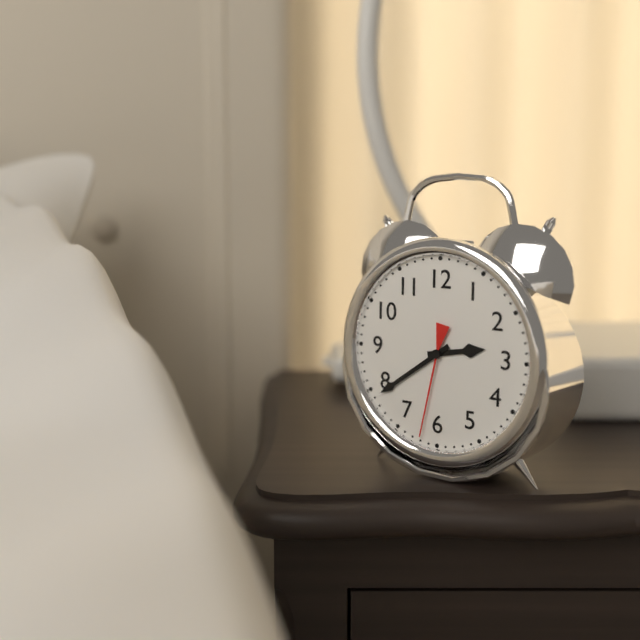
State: 2:39:32
